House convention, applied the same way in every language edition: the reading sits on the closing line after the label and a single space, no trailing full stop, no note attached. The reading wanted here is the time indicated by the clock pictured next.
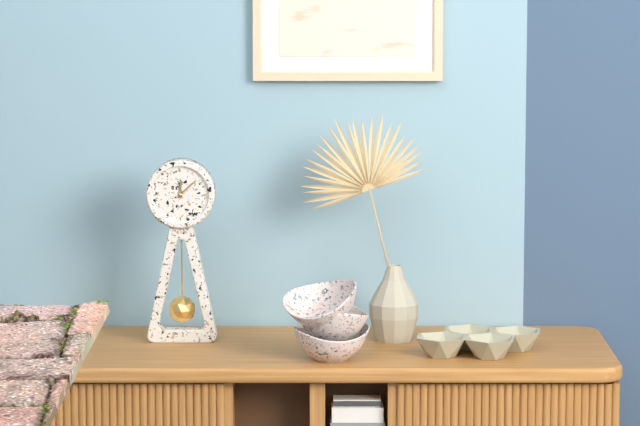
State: 12:08
